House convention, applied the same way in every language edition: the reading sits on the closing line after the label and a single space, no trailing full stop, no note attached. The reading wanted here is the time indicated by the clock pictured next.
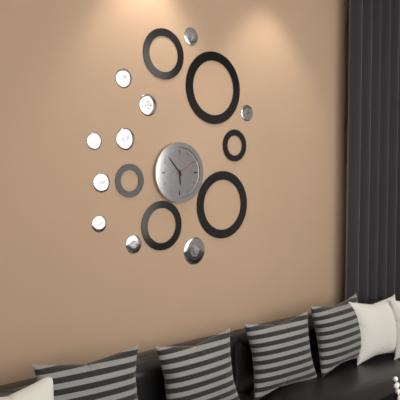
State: 5:53
